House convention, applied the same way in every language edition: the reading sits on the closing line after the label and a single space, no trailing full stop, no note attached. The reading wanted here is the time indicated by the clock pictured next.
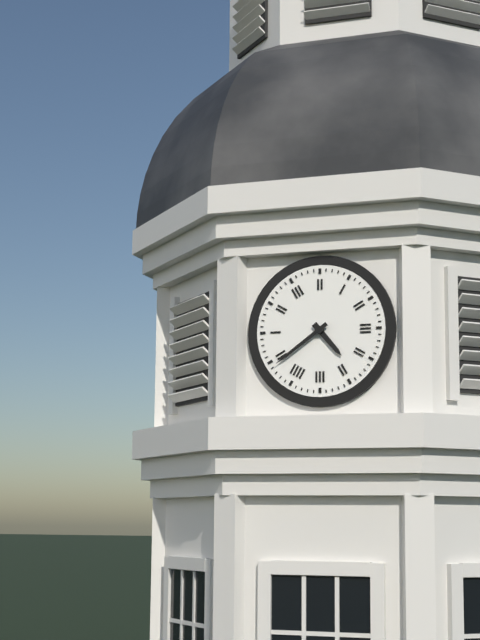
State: 4:39
